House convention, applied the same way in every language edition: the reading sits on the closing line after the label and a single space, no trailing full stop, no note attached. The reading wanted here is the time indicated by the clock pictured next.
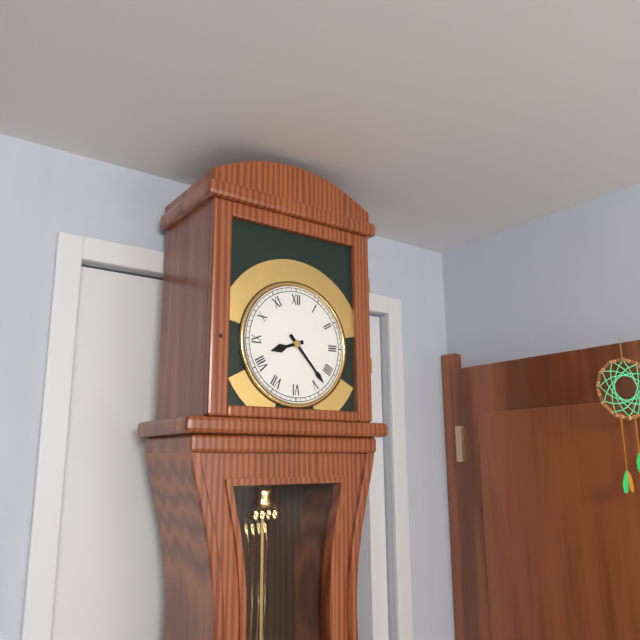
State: 8:23
